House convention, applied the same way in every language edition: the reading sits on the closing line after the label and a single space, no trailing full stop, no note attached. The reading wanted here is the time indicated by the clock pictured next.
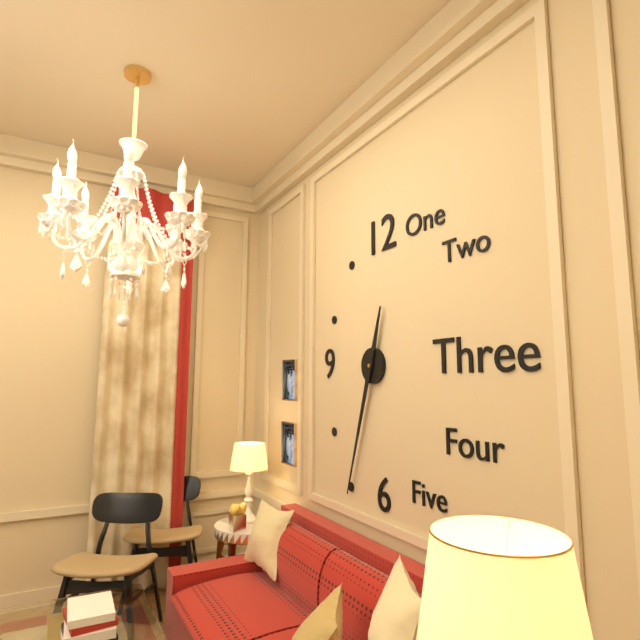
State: 12:33
